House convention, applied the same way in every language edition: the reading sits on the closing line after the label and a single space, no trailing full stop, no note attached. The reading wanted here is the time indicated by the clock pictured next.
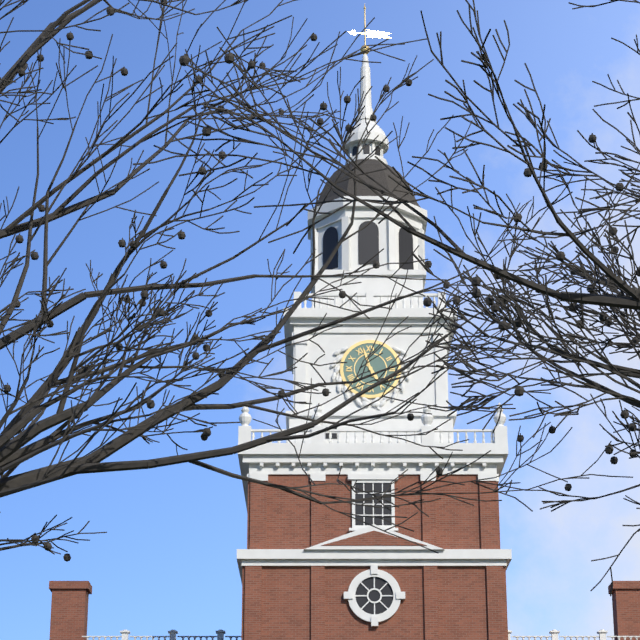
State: 4:57
